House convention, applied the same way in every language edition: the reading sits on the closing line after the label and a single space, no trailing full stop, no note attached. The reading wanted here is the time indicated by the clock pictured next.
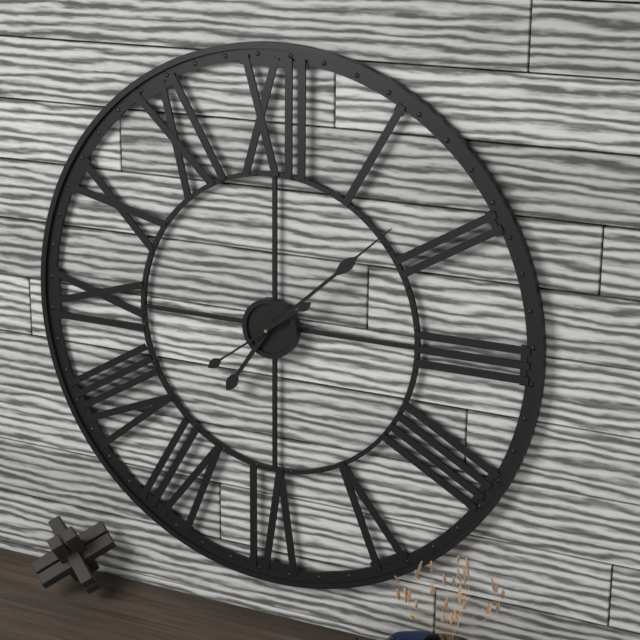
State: 7:08:39
